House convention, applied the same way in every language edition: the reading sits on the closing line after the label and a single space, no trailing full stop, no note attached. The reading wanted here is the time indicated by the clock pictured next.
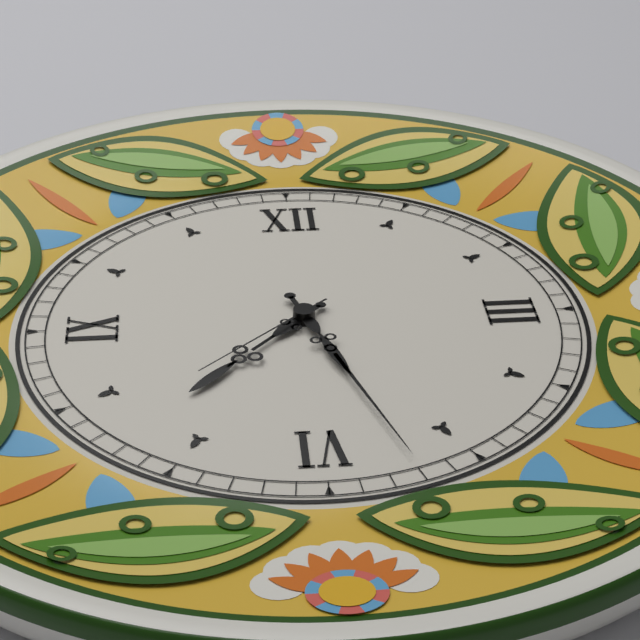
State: 7:27:38
